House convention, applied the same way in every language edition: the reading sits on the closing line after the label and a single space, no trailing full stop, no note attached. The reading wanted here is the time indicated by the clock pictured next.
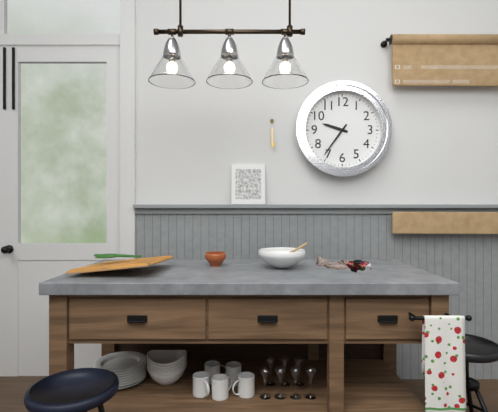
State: 9:36
